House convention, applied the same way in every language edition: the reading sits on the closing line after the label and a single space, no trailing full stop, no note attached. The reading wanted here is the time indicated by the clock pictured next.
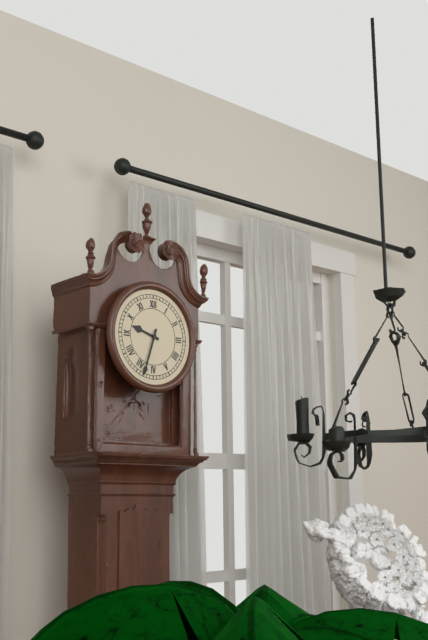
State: 9:33
